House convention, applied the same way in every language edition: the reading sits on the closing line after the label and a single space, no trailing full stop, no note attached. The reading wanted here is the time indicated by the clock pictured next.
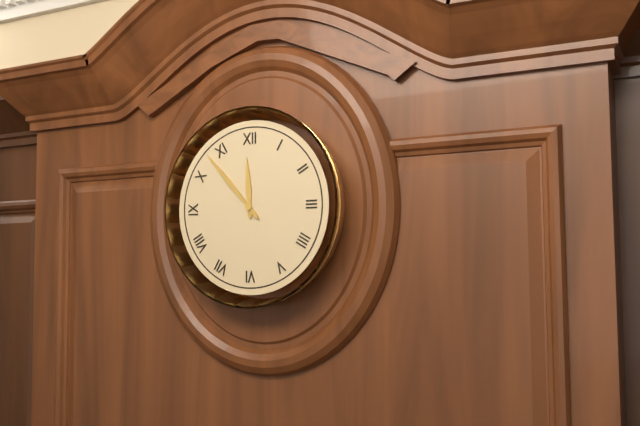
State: 11:53
